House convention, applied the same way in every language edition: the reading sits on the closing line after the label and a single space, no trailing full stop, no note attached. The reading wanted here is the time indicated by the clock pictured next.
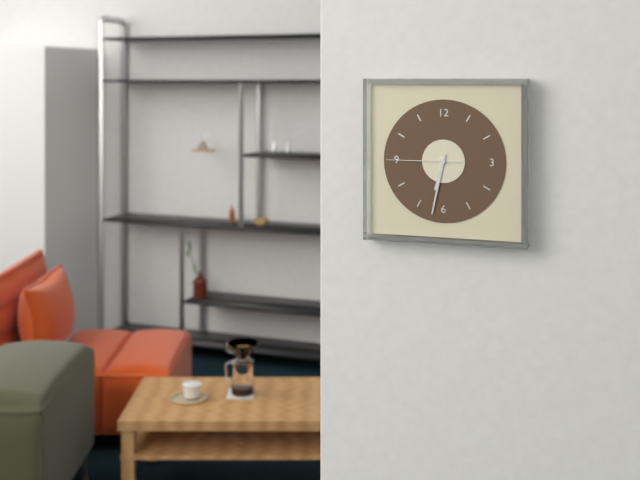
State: 6:32:45
